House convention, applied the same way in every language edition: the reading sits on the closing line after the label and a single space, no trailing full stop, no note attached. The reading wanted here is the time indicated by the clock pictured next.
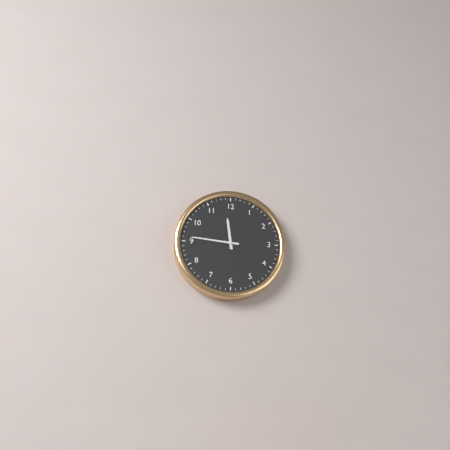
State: 11:46
